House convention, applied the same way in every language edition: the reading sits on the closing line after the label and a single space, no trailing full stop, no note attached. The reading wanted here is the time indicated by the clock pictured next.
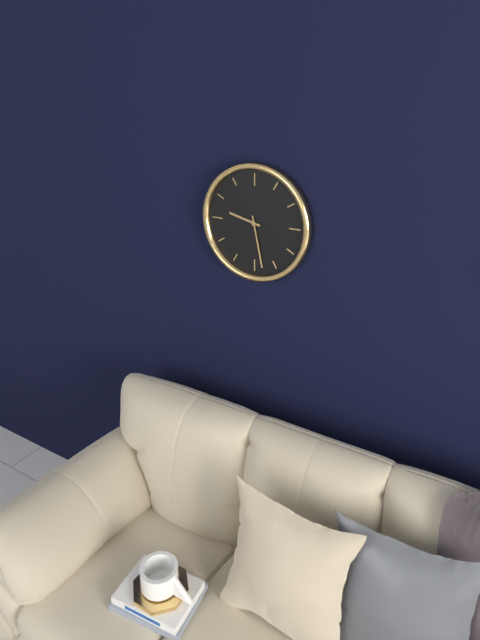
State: 9:28
